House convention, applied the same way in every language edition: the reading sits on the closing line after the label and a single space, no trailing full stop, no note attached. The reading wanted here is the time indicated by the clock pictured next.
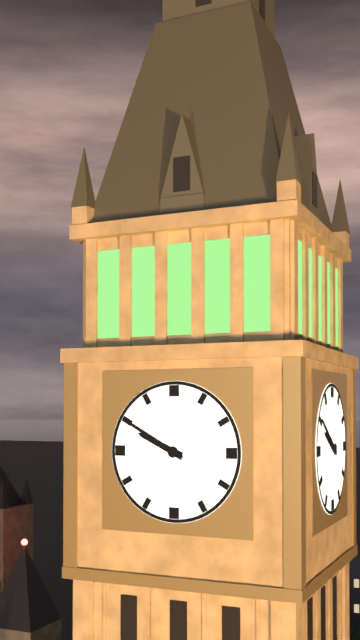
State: 9:50
